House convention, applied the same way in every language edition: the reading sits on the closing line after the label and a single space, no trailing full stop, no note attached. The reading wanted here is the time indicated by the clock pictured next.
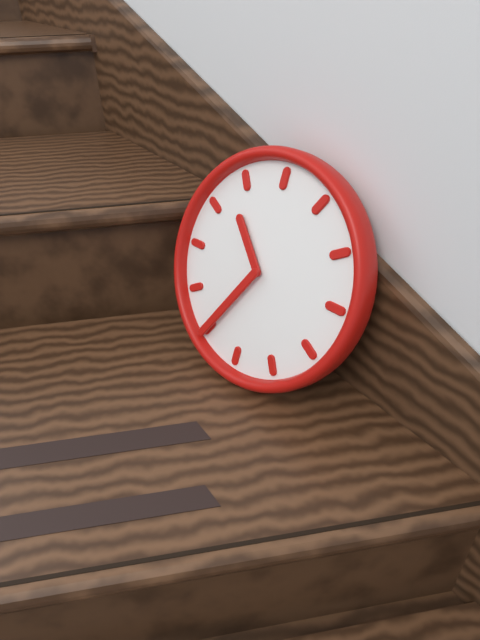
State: 10:35
